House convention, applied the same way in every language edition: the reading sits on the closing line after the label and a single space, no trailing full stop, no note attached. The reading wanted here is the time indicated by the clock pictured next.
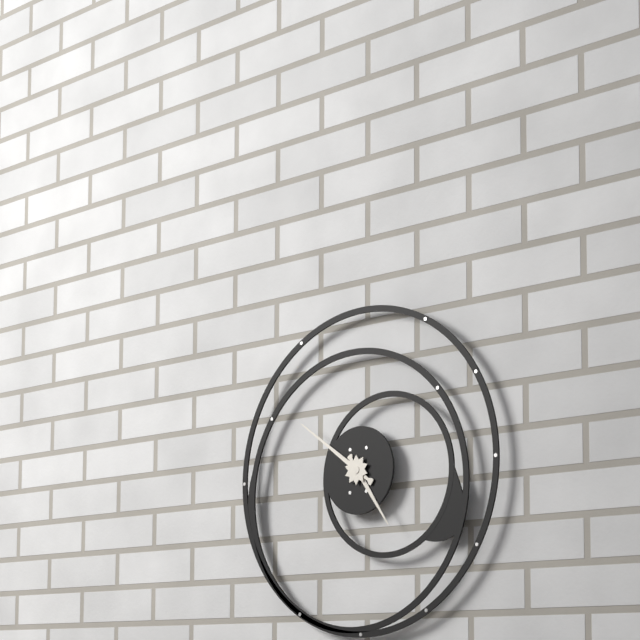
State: 4:51
